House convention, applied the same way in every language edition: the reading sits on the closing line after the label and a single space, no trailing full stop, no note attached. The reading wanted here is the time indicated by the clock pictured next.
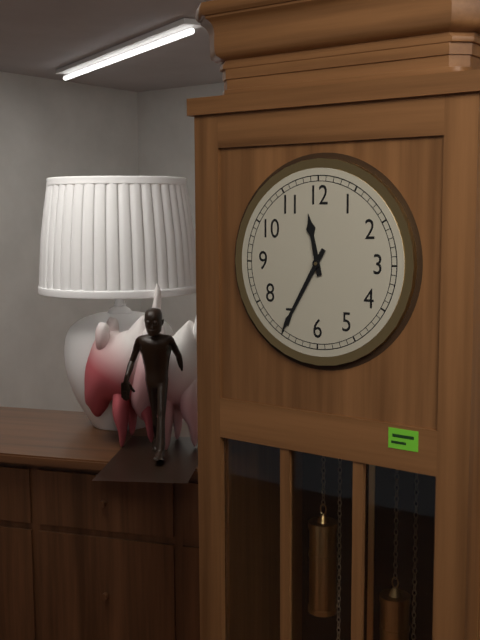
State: 11:35
